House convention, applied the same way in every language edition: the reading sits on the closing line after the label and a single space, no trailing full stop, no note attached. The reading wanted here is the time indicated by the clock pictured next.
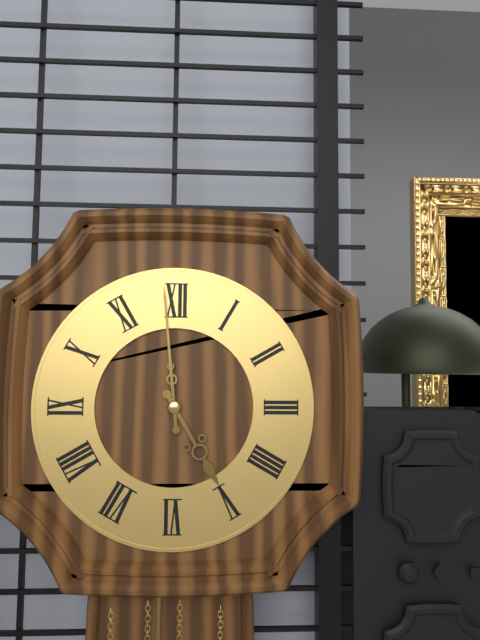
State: 4:59
